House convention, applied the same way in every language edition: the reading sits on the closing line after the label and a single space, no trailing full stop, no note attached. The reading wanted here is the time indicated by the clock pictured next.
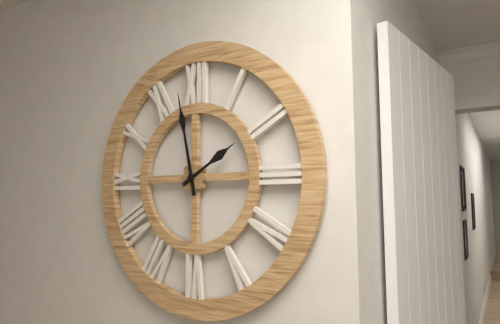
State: 1:58
